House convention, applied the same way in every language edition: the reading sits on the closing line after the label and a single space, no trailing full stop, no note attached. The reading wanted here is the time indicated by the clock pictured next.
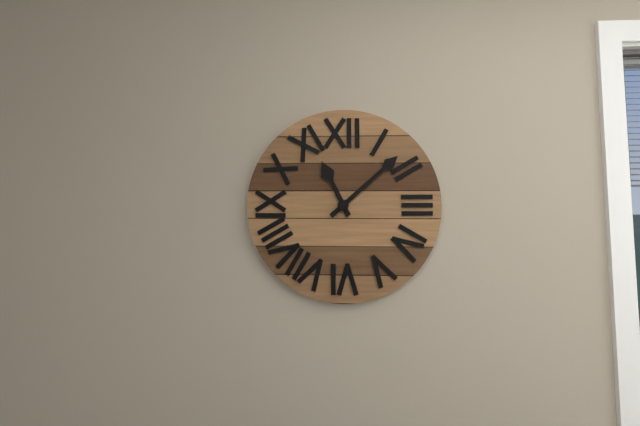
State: 11:08
